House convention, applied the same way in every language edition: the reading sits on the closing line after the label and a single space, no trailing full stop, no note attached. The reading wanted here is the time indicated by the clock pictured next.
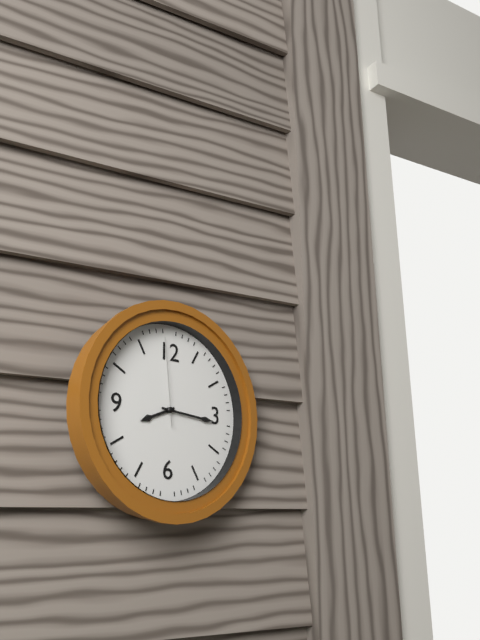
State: 8:16:59
